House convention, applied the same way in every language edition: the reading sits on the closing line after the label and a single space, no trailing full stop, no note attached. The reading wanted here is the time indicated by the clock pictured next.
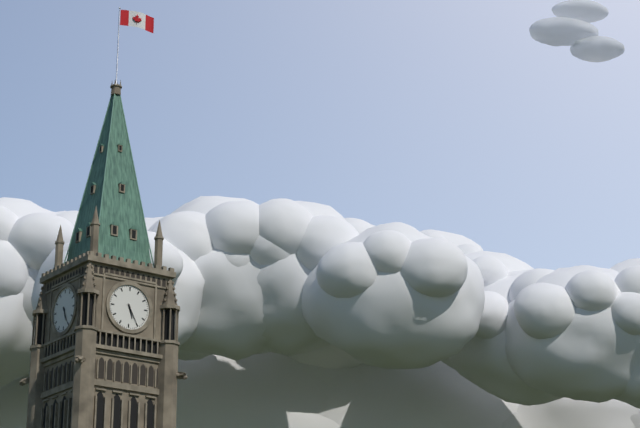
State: 5:25
